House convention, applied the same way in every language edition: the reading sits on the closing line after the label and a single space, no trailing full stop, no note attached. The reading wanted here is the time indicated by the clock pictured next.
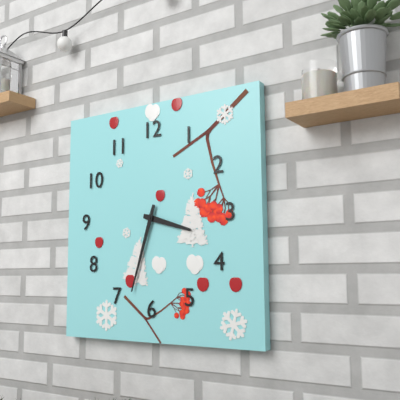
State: 3:33
